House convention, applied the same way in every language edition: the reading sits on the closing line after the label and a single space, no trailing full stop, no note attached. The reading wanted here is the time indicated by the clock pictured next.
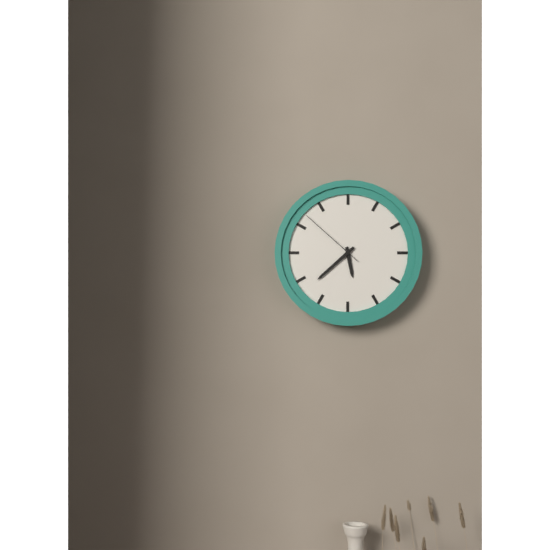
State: 5:38:52
